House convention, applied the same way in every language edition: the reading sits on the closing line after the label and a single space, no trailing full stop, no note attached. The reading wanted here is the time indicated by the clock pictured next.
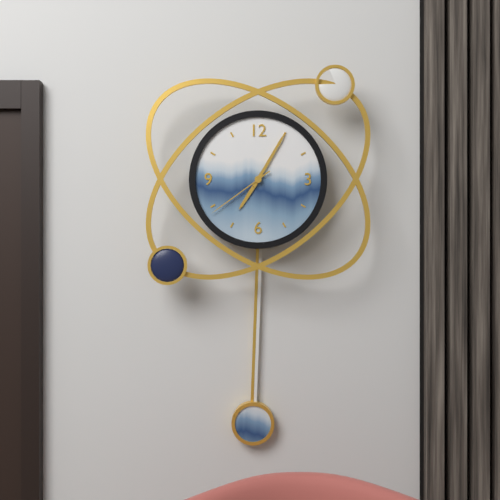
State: 7:05:39
